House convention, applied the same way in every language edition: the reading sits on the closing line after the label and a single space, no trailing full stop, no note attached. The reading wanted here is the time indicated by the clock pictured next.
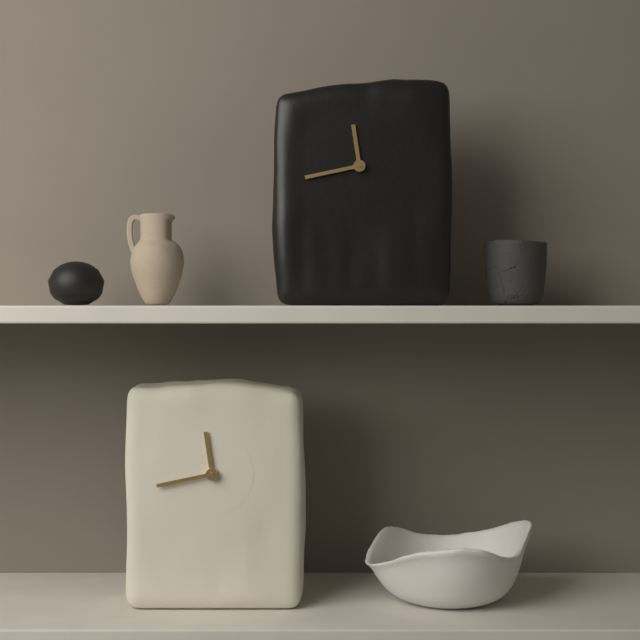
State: 11:43
